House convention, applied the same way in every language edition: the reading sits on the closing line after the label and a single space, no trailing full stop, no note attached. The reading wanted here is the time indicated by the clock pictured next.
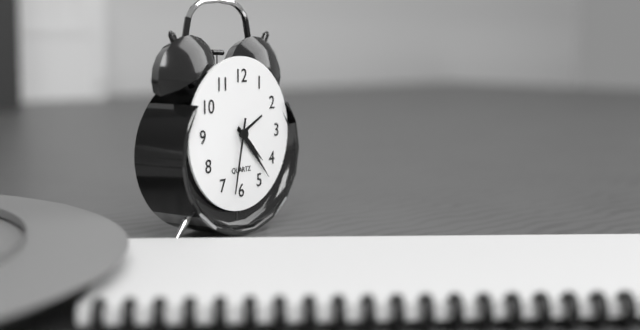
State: 4:23:32
